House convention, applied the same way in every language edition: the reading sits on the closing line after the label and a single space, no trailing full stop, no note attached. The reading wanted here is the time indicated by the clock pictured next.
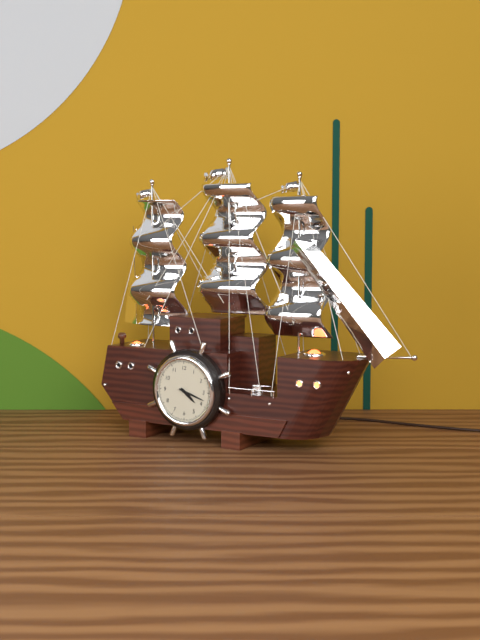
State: 4:18
